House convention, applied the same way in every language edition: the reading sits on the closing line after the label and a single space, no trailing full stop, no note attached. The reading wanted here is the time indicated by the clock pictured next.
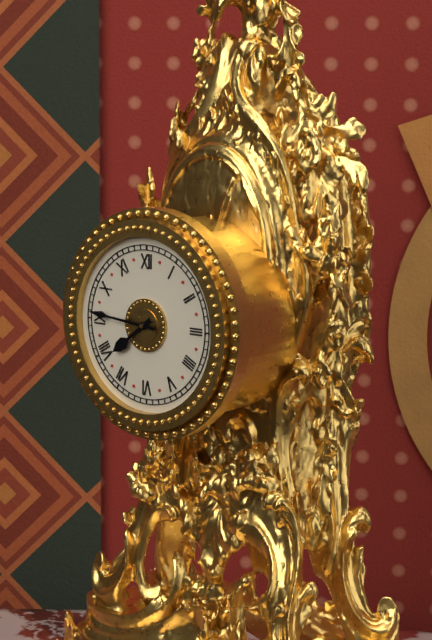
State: 7:46
